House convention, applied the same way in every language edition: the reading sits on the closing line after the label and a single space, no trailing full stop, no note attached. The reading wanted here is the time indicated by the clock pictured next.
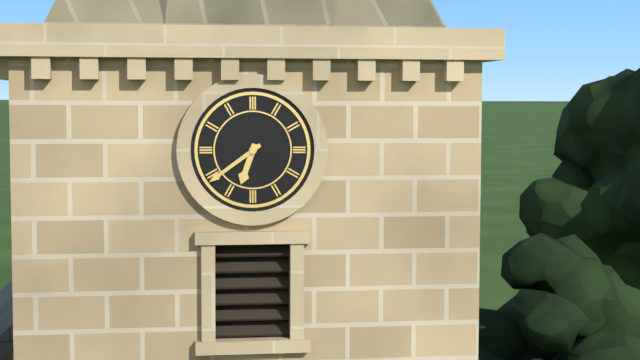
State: 6:39
